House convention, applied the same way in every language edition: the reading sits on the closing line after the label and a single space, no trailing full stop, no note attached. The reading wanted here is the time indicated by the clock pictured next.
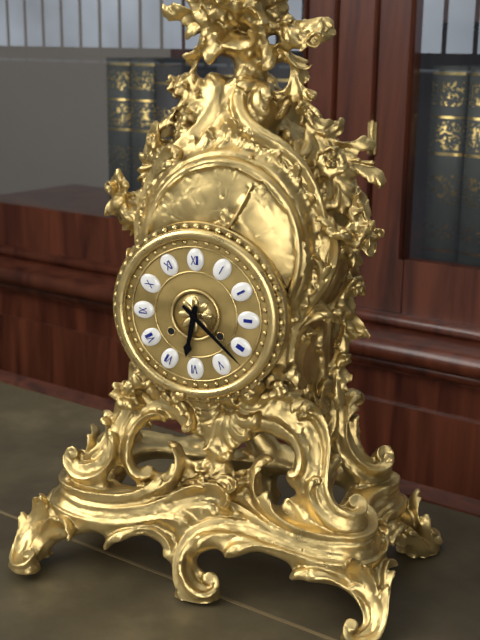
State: 6:22
